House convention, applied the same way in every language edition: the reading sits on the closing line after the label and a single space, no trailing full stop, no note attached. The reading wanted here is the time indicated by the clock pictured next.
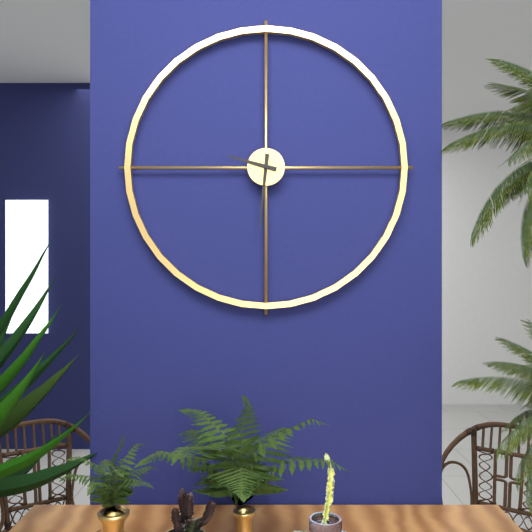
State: 9:31
